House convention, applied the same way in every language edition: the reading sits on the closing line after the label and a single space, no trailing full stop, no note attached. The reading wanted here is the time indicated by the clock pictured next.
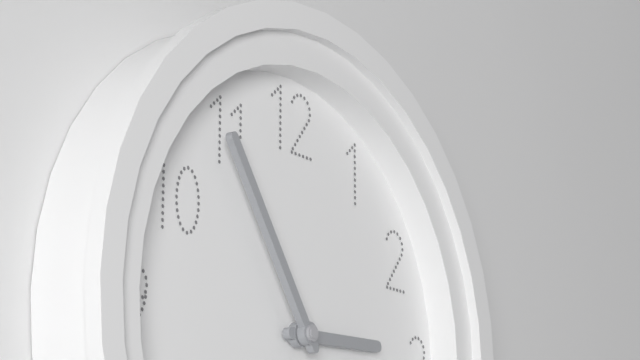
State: 2:54
